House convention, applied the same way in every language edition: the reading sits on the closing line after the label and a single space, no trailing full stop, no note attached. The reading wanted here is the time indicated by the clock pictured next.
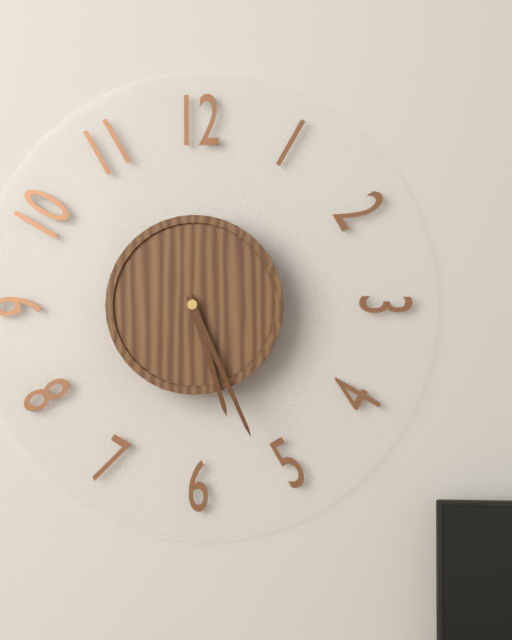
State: 5:26
